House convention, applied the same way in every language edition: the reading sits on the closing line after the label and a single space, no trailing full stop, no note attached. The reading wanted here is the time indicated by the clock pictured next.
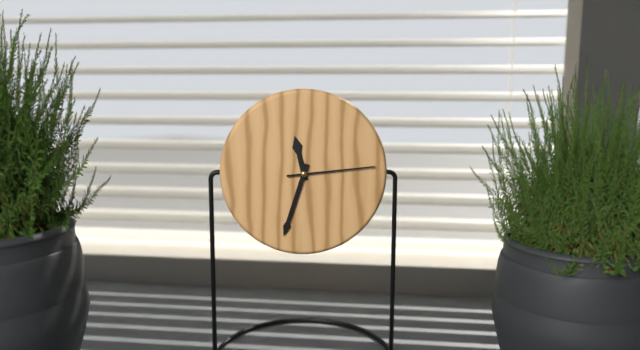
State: 11:33:14
